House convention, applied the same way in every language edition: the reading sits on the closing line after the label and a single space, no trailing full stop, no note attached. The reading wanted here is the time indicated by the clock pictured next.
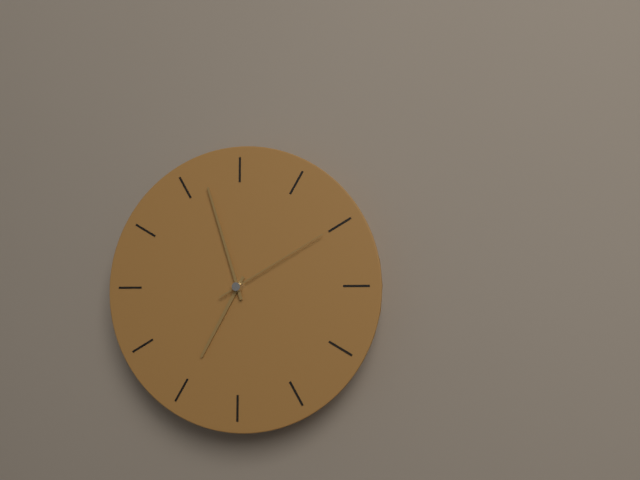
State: 6:57:10
